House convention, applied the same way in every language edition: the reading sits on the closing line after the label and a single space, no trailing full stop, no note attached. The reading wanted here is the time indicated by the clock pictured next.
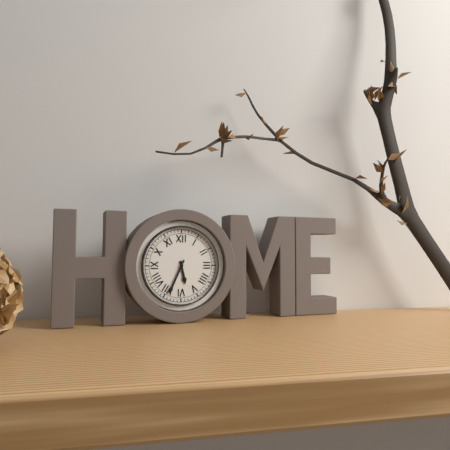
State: 5:34
